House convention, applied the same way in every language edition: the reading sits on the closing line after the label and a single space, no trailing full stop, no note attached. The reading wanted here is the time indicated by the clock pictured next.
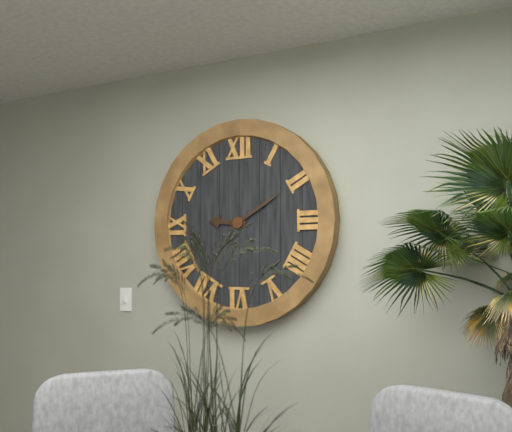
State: 9:10
